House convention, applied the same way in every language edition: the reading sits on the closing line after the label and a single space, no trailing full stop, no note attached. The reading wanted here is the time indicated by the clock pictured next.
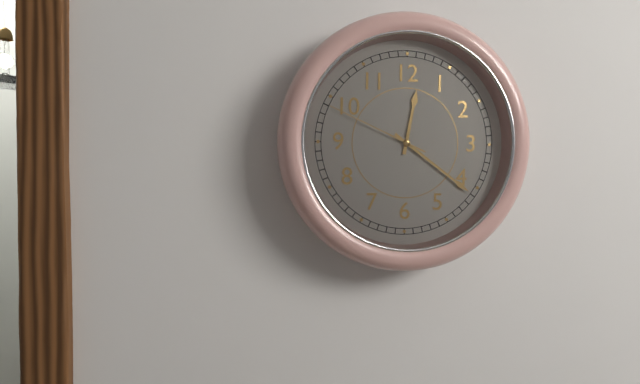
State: 12:21:49
